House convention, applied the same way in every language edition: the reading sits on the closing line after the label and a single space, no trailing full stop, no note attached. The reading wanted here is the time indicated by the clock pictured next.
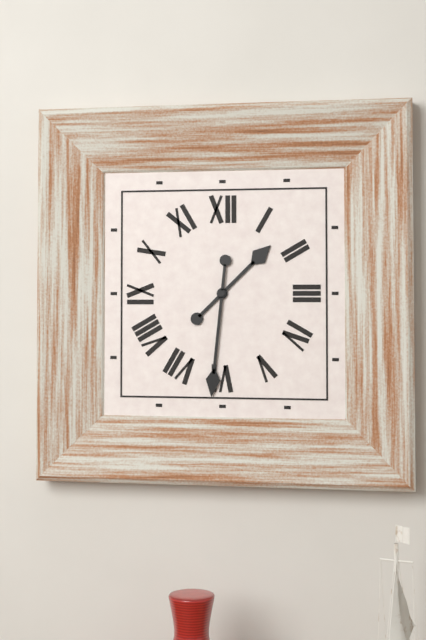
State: 1:31
